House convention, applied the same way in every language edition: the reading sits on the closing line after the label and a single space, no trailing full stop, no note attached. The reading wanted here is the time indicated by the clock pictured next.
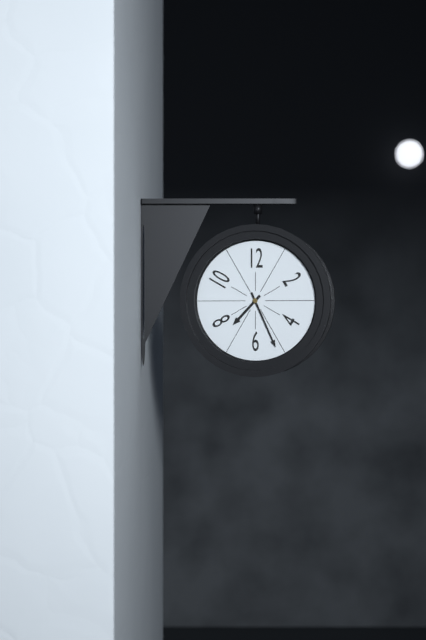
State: 7:26
